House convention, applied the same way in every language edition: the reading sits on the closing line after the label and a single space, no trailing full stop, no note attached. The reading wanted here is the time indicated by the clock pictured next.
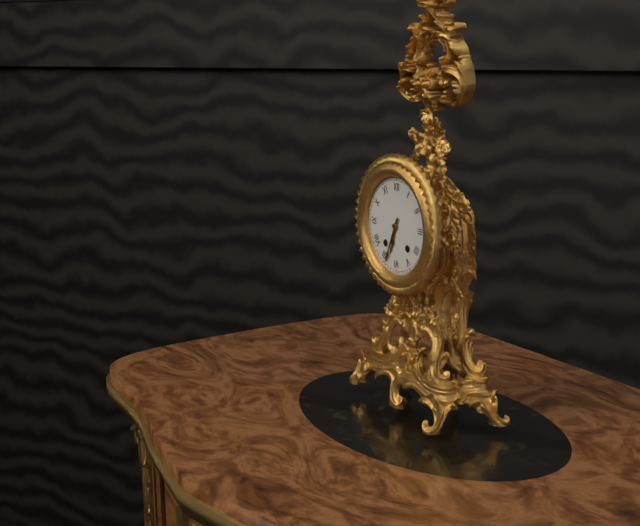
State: 6:34
